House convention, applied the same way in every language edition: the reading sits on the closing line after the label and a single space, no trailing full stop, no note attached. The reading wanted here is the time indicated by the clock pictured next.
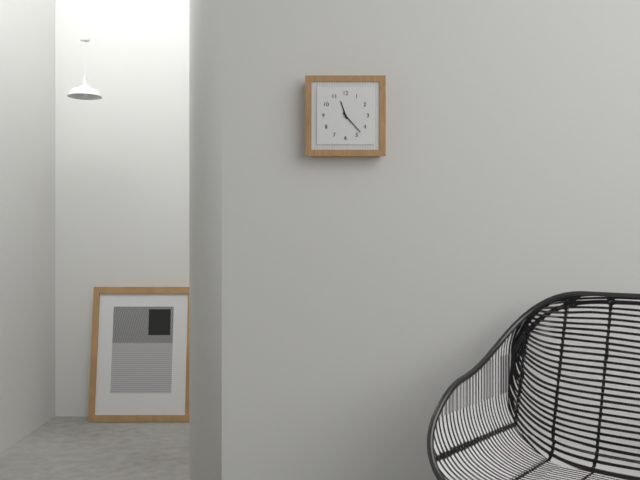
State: 11:23
